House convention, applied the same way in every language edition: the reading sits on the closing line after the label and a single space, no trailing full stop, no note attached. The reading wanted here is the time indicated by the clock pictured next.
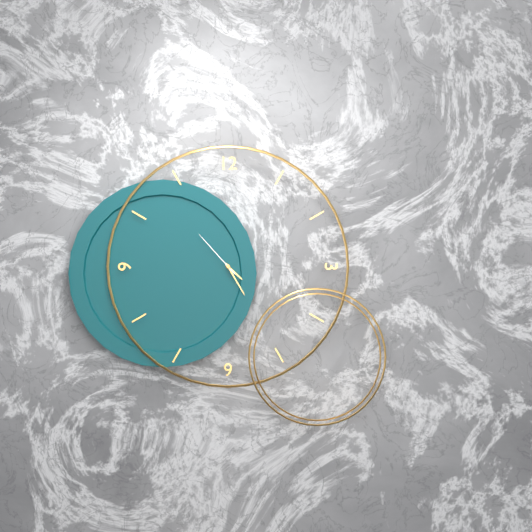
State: 4:25:53
